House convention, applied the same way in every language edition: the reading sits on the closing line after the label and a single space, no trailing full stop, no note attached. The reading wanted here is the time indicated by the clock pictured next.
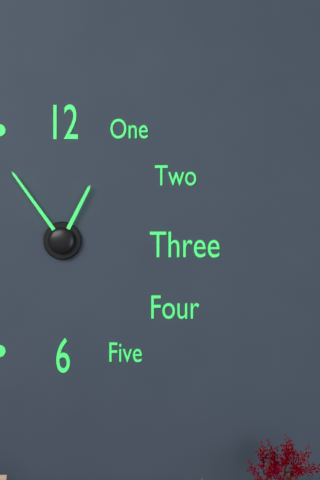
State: 12:54
